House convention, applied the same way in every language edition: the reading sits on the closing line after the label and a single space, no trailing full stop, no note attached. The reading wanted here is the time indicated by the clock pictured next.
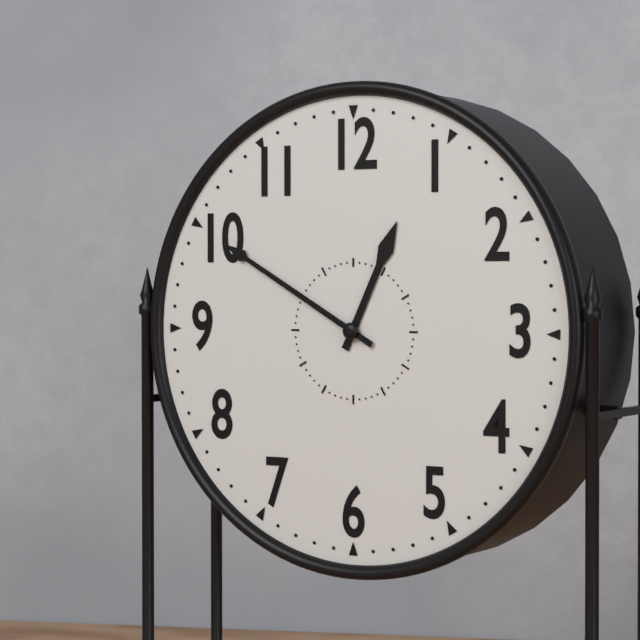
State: 12:50
